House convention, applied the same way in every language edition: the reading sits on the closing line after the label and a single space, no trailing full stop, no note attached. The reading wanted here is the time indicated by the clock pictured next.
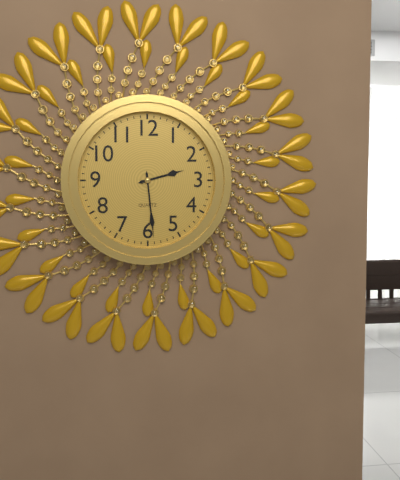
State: 2:29
